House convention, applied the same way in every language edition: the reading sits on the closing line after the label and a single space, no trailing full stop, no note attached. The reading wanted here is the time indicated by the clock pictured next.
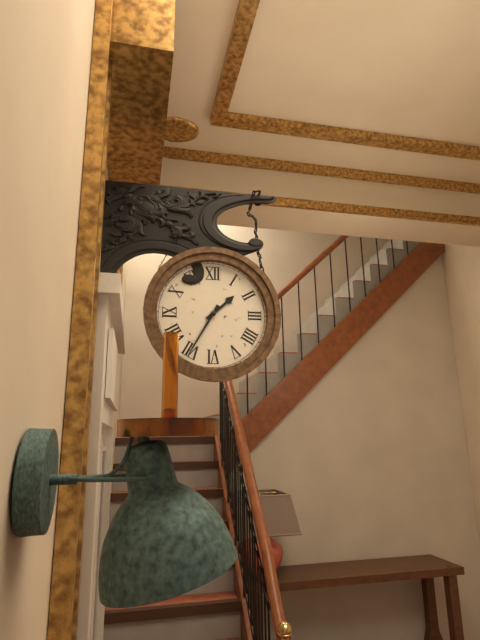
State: 1:35
